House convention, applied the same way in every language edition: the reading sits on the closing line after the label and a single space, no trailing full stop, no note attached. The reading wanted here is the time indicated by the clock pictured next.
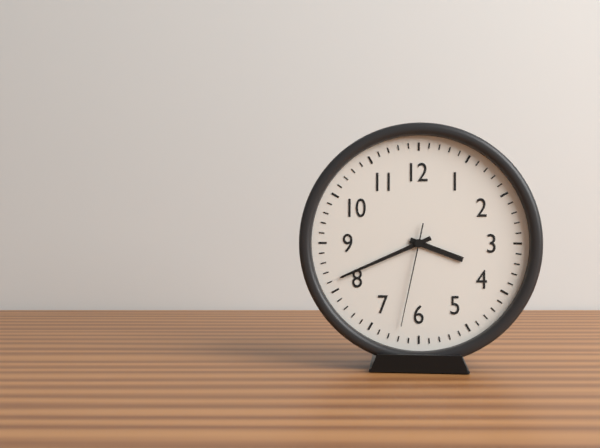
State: 3:41:32
